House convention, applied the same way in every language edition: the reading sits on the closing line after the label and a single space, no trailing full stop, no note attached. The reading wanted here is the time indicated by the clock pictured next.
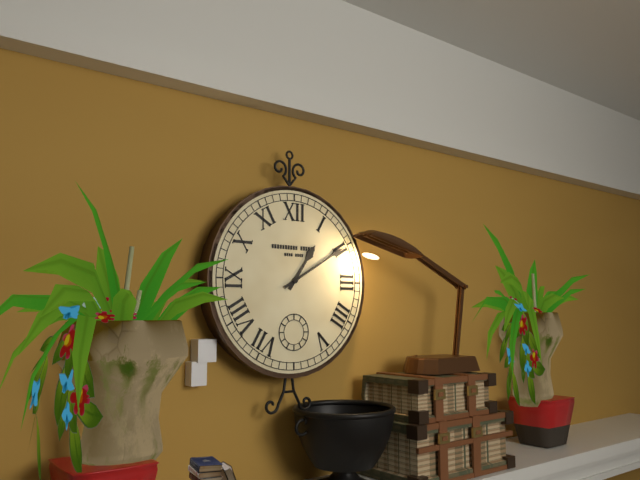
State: 1:10
